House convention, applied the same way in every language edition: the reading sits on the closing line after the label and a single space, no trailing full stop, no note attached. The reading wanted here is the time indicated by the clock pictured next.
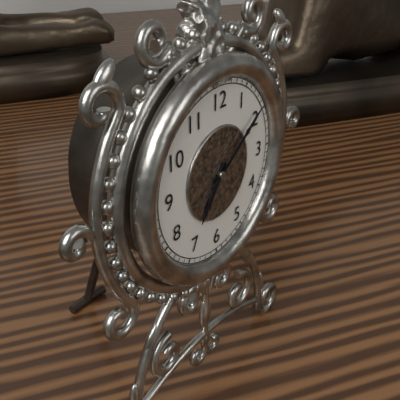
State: 7:09
